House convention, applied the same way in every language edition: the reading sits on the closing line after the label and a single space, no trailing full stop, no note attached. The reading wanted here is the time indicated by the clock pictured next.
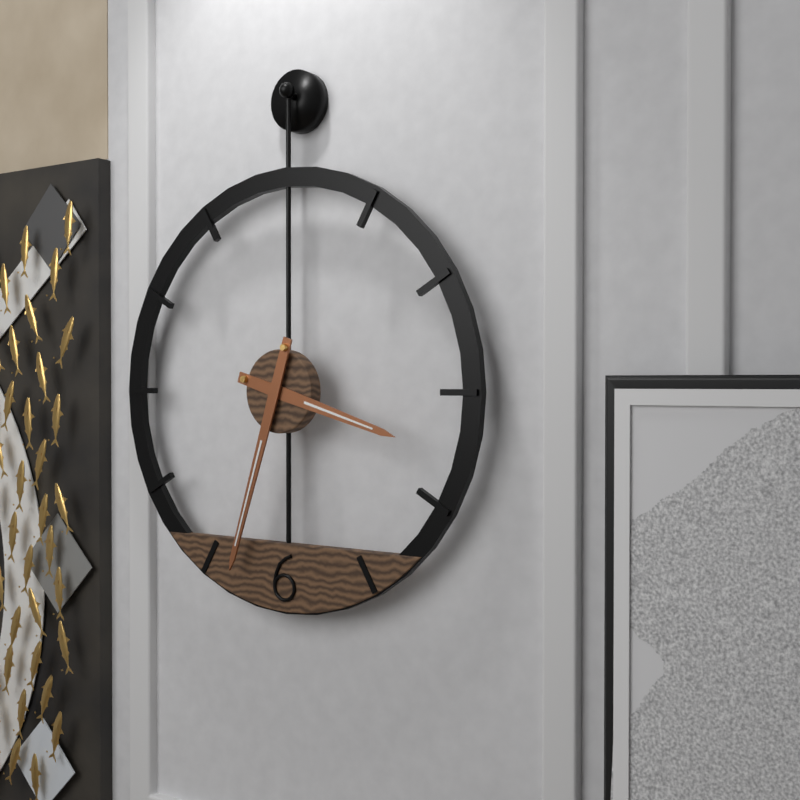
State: 3:33
